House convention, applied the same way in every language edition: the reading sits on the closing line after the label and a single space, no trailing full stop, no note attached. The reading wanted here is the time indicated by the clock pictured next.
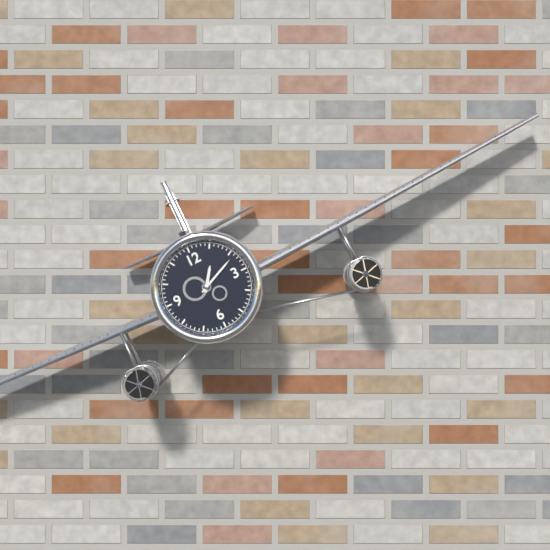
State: 1:11
